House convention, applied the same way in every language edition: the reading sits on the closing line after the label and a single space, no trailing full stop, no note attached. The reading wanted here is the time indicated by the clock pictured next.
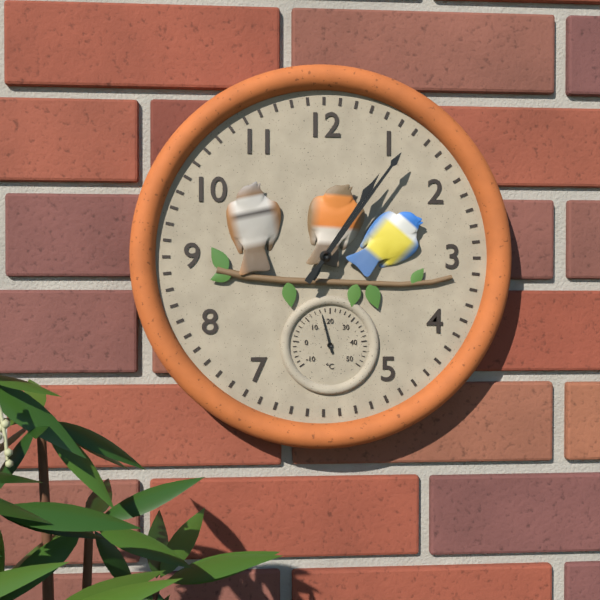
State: 1:06
